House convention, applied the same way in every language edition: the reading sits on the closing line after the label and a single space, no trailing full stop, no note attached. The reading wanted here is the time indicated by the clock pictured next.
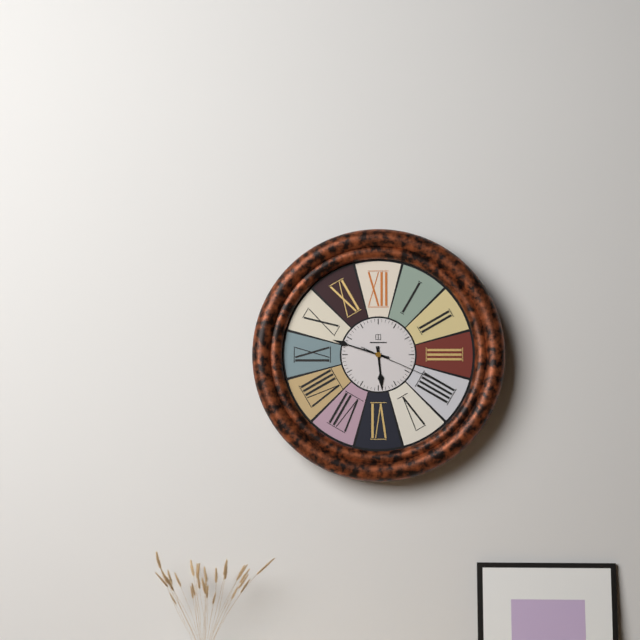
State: 5:48:19
